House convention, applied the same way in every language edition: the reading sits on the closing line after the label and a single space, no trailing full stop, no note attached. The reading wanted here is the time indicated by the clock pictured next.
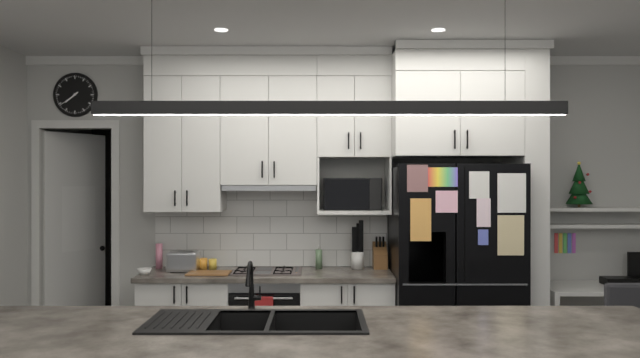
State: 7:39
